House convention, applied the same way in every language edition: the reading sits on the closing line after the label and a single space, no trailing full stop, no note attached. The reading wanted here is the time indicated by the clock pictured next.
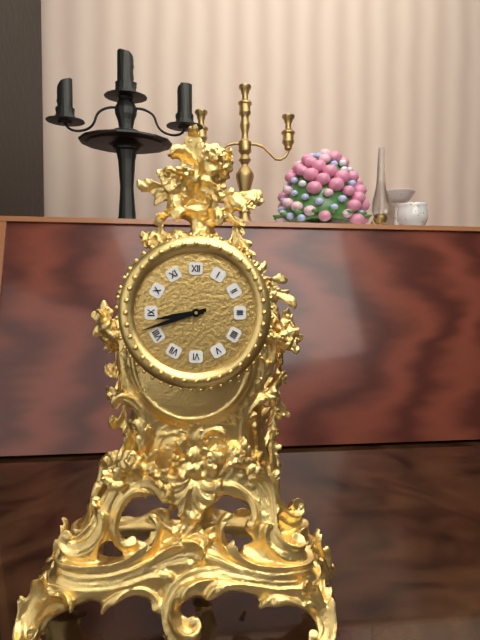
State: 8:42
